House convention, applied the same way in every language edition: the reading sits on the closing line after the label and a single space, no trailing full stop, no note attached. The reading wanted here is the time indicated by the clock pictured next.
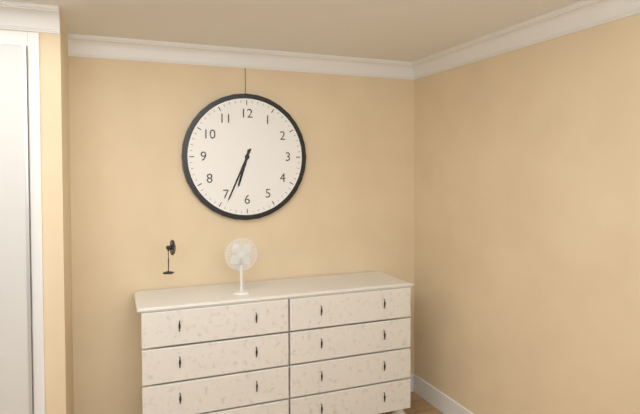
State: 6:34
